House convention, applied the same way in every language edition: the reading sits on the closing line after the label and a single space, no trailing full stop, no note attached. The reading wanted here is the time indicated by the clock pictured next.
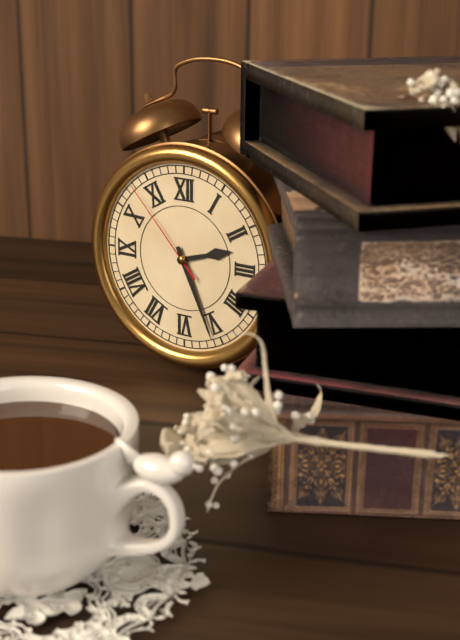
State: 2:26:53
